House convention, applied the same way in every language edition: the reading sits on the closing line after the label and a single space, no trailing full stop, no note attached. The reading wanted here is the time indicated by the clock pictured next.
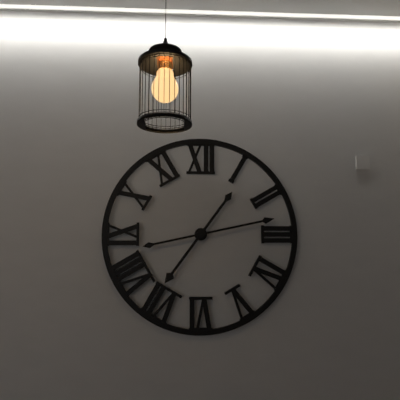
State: 7:13
